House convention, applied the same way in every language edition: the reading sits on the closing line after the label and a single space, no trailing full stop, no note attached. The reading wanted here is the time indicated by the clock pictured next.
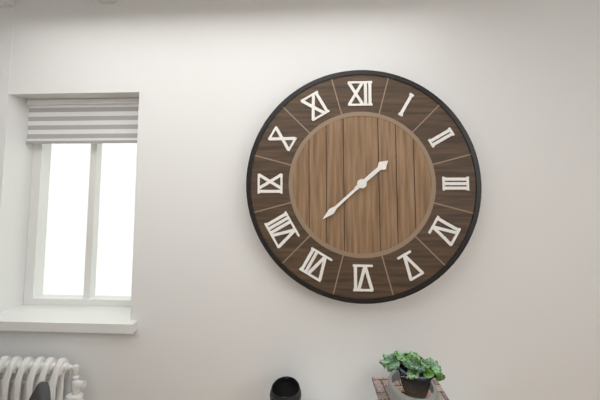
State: 1:38
